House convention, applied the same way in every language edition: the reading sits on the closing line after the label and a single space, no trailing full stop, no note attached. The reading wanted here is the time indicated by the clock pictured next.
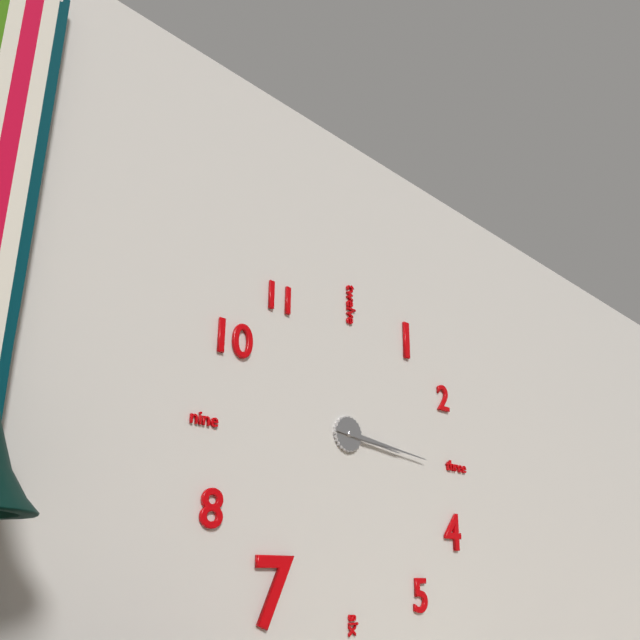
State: 3:16
